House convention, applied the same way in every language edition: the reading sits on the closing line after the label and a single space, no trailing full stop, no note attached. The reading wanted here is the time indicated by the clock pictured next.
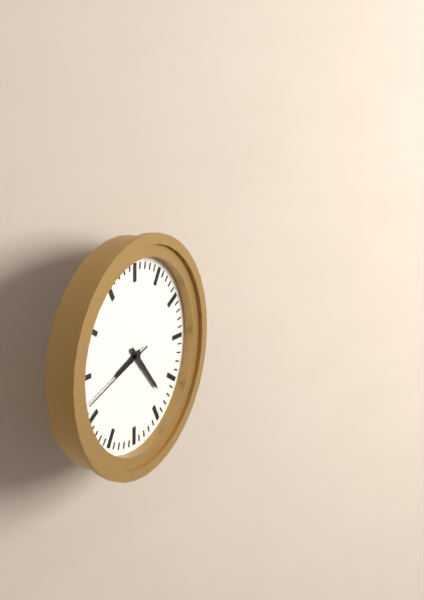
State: 8:23:42
